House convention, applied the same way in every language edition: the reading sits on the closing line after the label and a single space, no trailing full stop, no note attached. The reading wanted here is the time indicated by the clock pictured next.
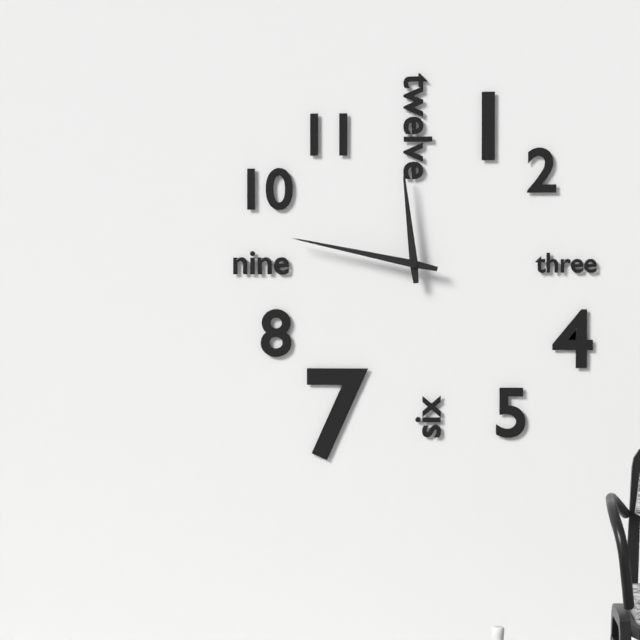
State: 11:47
